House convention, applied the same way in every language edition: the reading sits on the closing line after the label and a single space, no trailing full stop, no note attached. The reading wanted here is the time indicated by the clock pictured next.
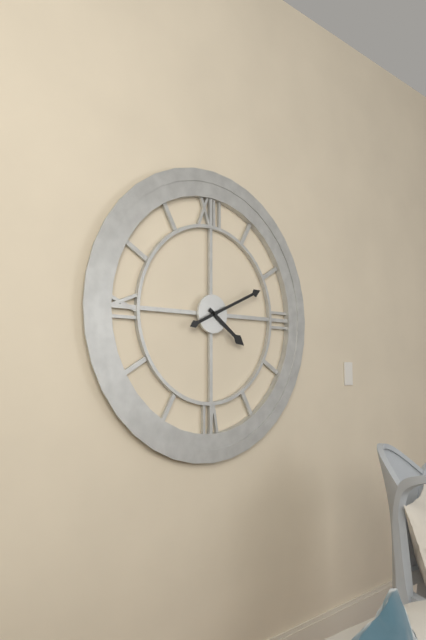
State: 4:11
